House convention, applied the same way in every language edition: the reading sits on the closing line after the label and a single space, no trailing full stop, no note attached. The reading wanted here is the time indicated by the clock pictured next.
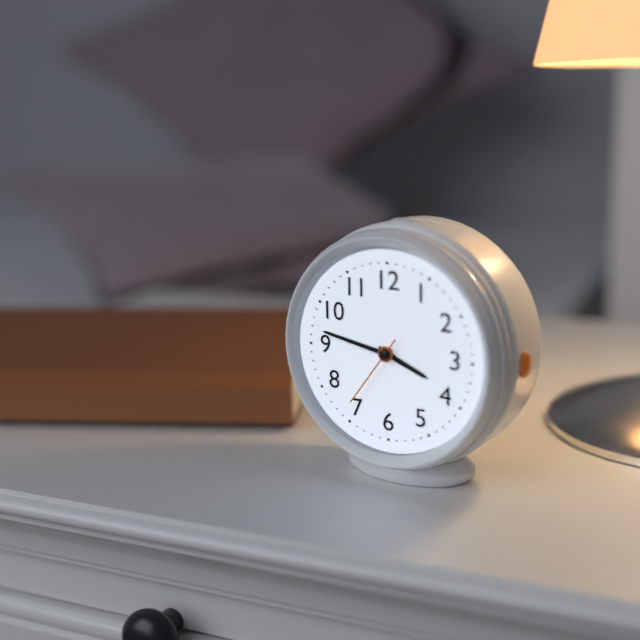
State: 3:47:36
